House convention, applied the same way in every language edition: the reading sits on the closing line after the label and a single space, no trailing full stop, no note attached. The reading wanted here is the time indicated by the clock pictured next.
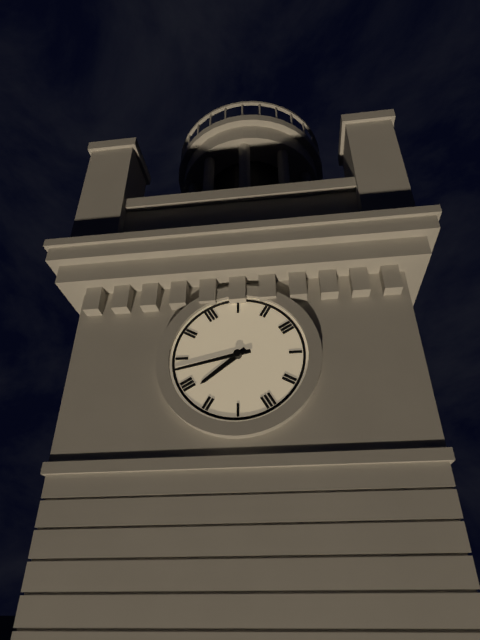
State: 7:43
